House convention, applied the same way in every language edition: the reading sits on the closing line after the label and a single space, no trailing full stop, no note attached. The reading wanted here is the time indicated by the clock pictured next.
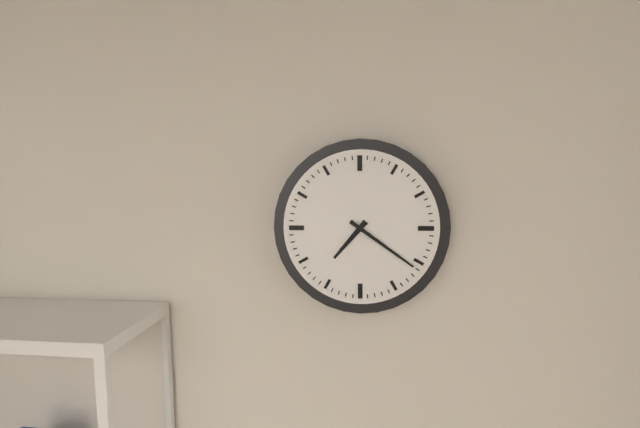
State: 7:21
